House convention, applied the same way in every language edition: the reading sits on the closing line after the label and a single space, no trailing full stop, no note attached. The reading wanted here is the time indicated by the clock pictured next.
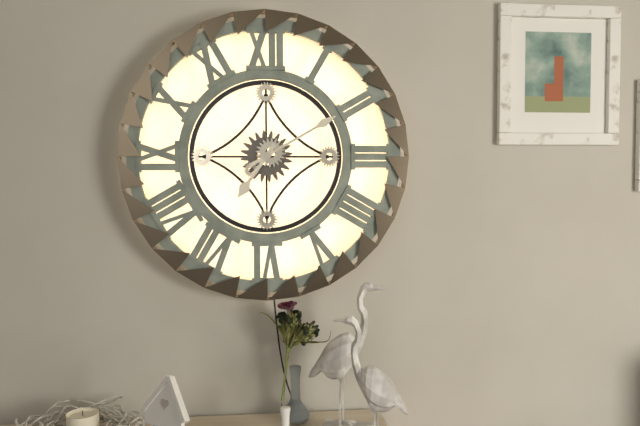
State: 7:10
